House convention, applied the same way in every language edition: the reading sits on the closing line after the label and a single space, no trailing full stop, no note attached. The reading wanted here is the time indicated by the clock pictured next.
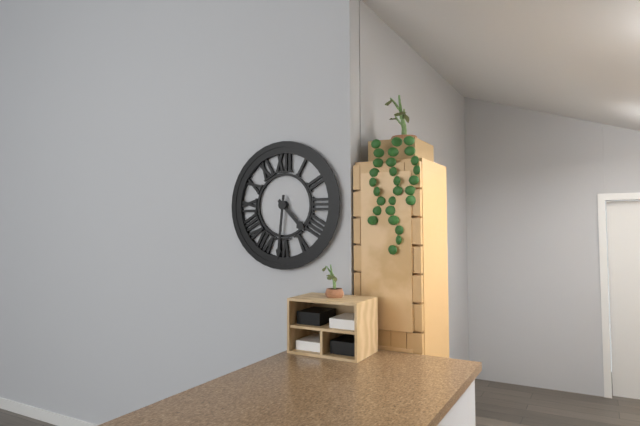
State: 4:31
